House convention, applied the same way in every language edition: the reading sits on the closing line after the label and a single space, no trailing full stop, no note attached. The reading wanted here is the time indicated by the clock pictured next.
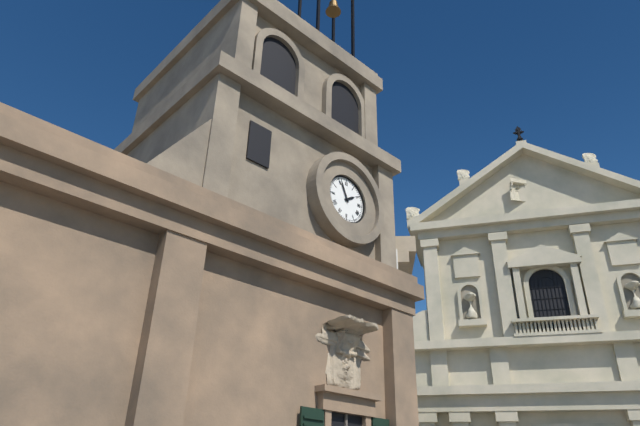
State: 1:56
